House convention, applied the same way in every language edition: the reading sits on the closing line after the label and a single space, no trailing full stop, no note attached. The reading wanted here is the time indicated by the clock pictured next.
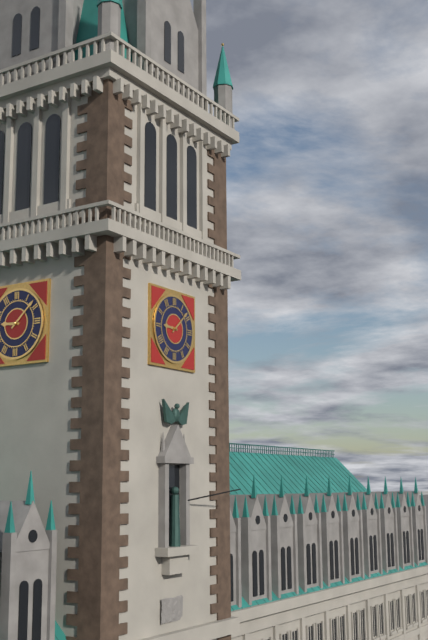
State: 9:08
